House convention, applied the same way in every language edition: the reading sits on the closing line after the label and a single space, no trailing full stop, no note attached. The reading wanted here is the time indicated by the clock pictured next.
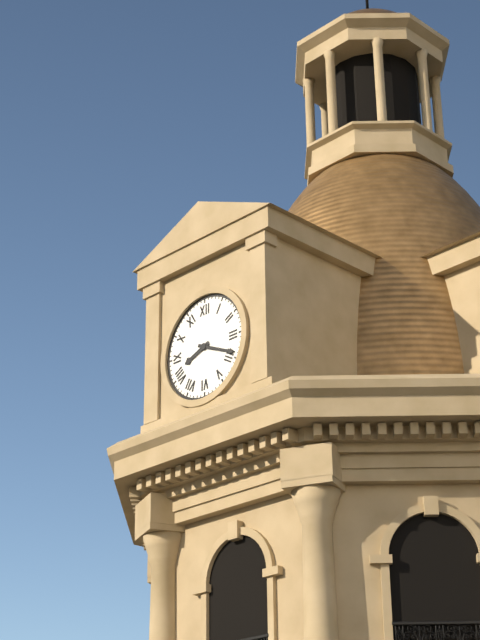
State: 8:19
